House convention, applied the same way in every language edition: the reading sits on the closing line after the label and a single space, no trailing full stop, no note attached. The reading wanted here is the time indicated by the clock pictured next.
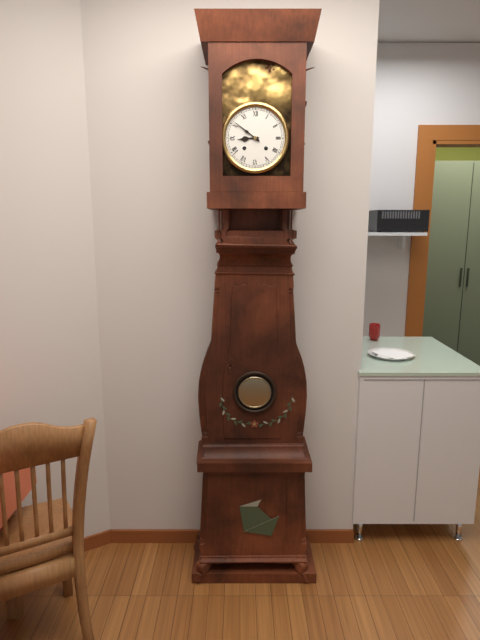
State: 8:51
